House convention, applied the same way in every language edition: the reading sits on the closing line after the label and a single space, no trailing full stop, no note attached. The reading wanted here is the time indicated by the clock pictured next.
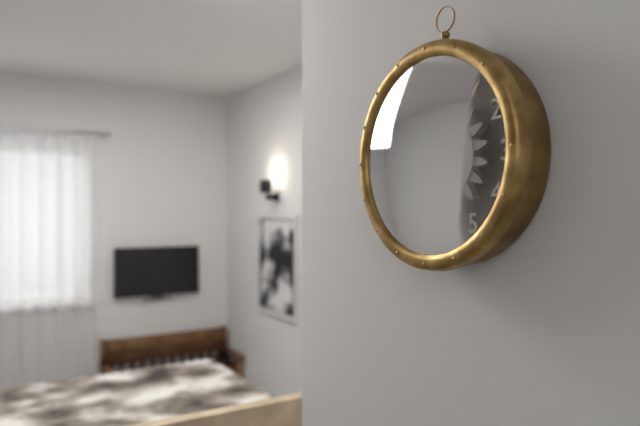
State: 5:07
